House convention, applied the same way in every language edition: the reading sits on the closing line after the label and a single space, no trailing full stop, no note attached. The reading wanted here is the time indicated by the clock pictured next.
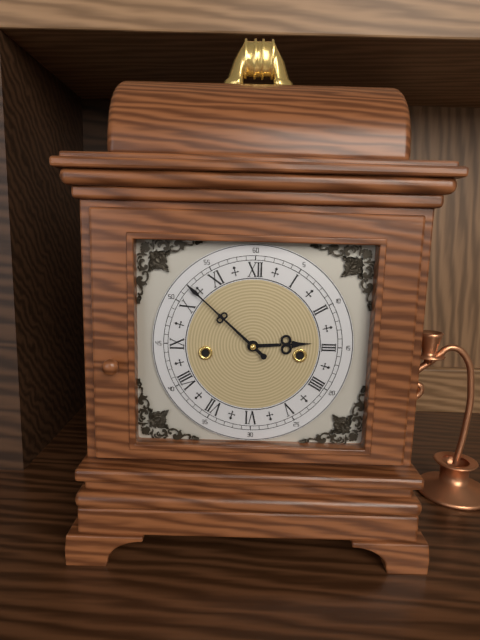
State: 2:52
